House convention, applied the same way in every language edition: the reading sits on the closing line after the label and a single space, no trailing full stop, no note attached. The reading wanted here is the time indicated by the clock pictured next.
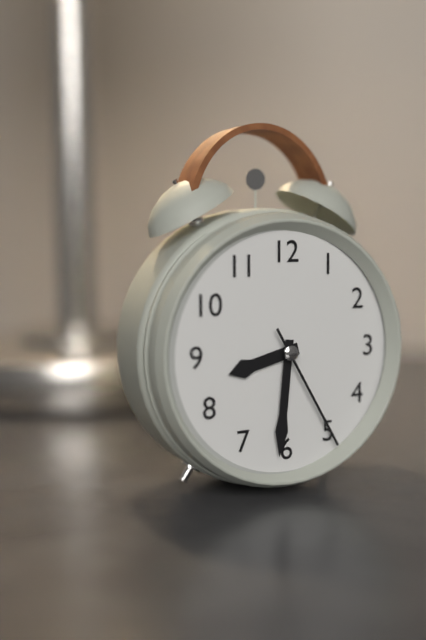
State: 8:31:25
